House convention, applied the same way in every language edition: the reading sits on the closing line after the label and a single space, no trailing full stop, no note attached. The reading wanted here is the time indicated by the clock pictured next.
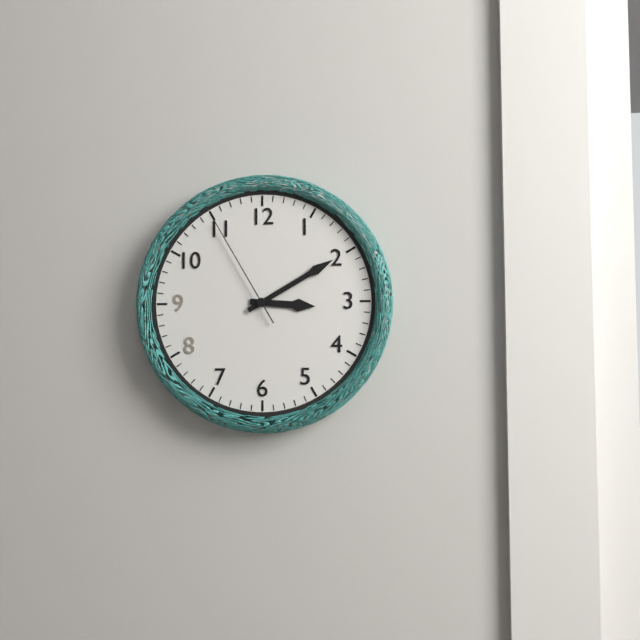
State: 3:10:55
